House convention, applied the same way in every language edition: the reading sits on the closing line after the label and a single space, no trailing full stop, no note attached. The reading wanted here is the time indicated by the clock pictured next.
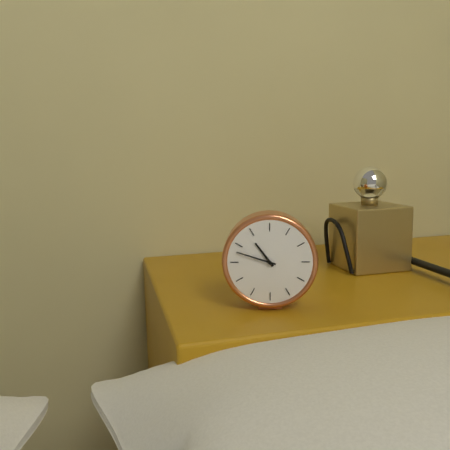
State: 10:48
